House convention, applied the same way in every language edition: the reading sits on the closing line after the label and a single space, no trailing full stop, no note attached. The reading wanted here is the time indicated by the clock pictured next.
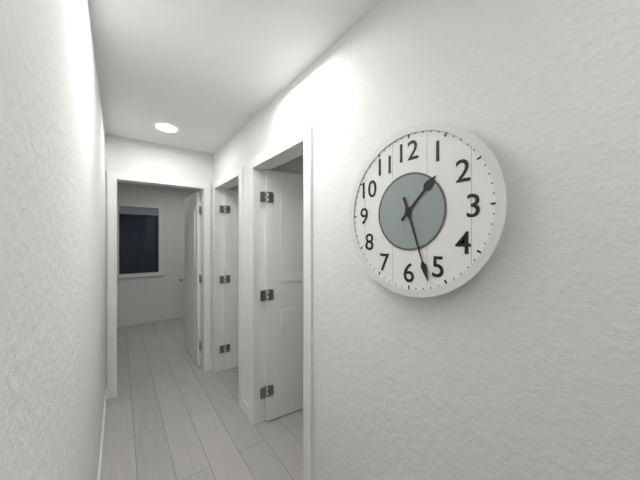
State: 1:27
